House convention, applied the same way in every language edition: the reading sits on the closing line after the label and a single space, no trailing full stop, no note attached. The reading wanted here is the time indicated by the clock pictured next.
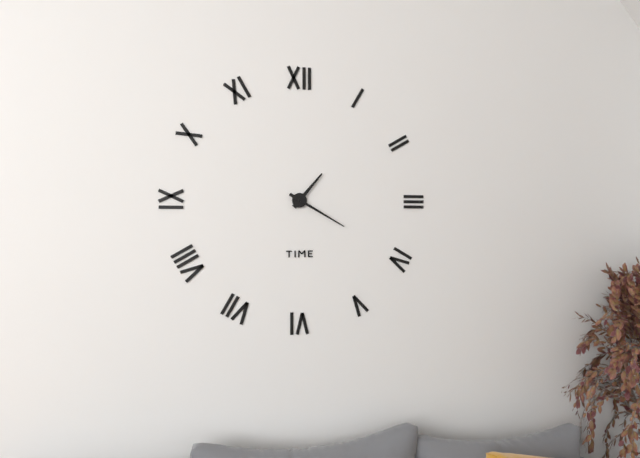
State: 1:20
